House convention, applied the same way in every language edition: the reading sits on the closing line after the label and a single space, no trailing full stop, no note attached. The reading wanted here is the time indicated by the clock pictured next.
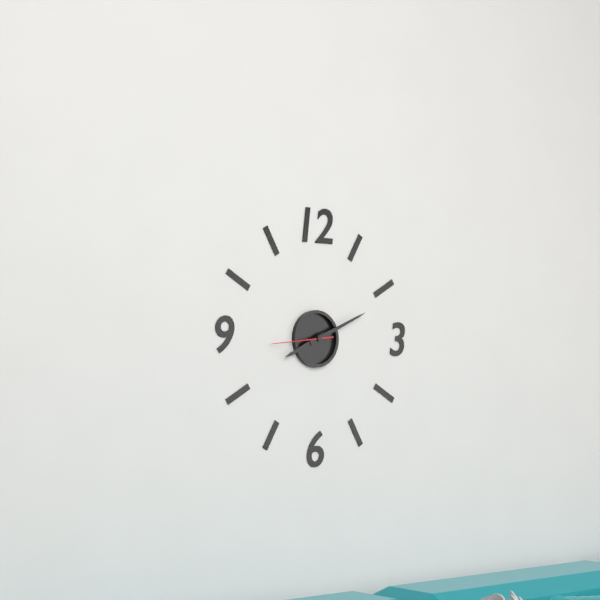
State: 8:11:44
